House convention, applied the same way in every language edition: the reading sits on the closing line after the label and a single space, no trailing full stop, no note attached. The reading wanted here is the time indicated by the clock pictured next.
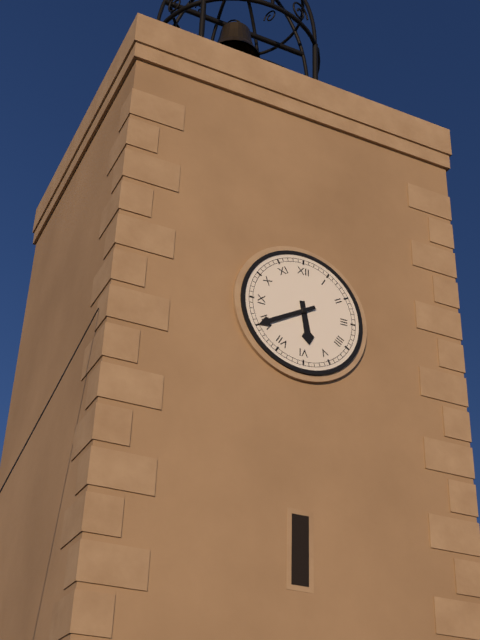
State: 5:40
